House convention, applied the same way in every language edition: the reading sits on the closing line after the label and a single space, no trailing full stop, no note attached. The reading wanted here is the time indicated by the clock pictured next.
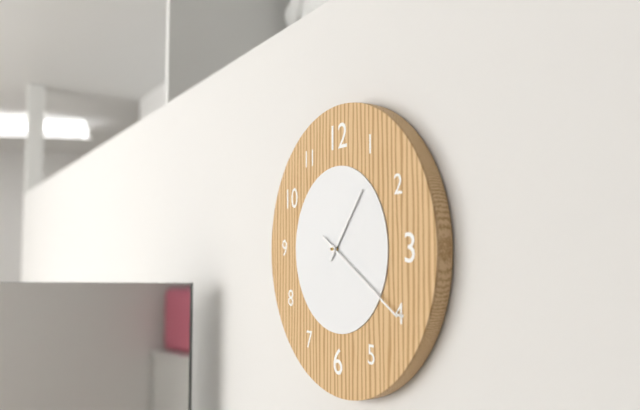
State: 1:20
